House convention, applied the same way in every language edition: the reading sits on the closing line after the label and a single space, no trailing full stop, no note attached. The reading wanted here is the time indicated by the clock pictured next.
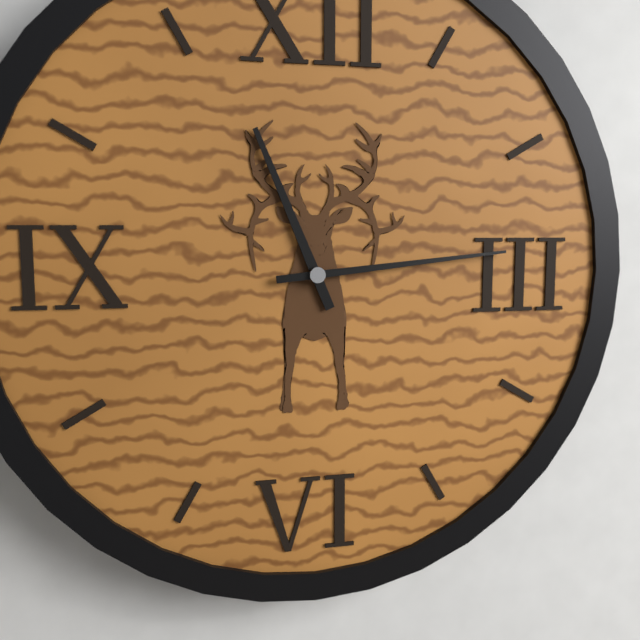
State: 11:14
